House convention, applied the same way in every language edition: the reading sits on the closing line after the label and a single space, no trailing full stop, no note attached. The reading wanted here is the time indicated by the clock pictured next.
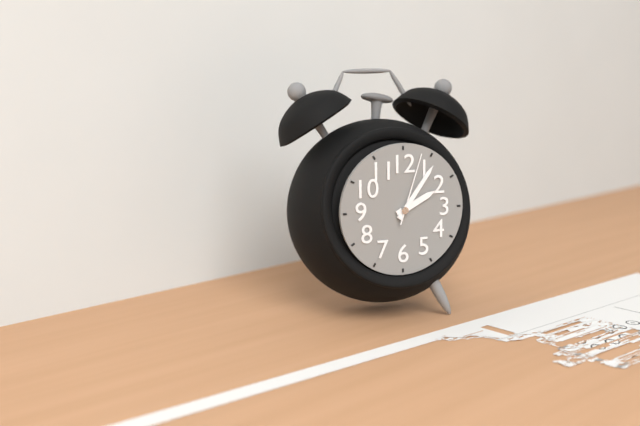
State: 2:06:03
